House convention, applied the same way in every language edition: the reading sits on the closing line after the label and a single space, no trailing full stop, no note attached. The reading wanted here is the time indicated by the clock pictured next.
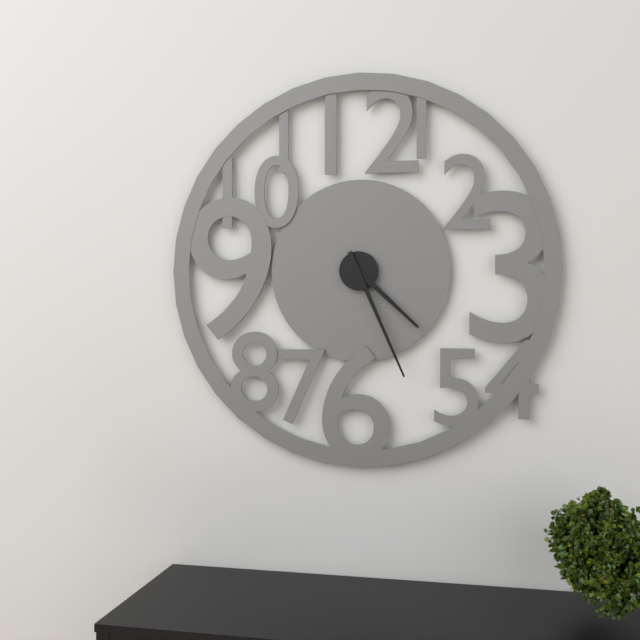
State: 4:26
